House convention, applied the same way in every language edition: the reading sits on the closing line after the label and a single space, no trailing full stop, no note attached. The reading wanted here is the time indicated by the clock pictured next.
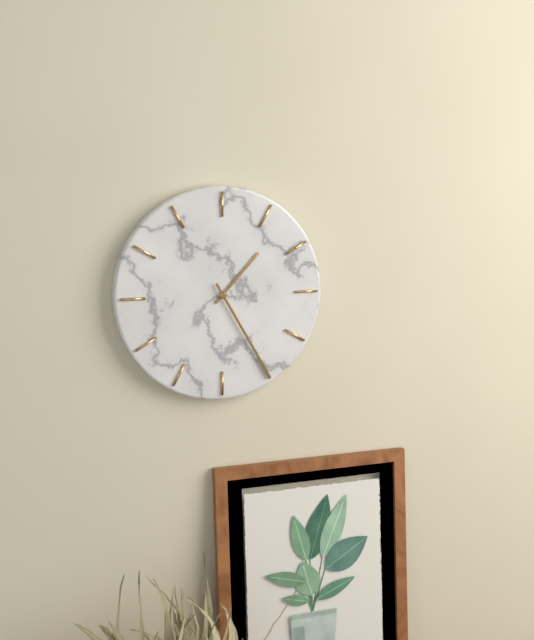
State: 1:25
